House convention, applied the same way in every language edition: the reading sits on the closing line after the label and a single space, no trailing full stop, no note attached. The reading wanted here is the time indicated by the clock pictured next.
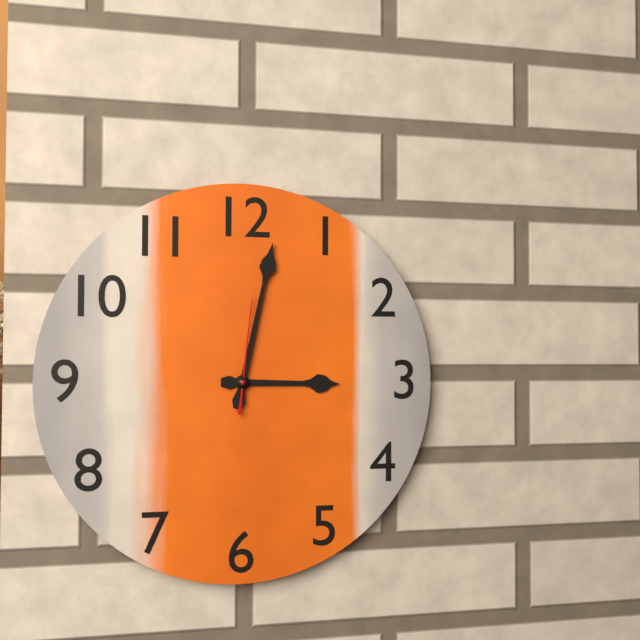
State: 3:02:01
